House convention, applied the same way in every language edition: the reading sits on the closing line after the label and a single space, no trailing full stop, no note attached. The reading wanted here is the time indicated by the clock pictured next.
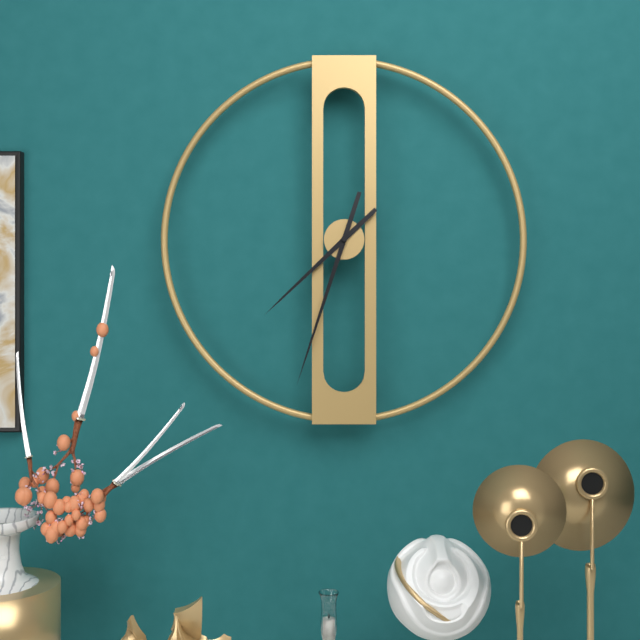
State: 7:33
